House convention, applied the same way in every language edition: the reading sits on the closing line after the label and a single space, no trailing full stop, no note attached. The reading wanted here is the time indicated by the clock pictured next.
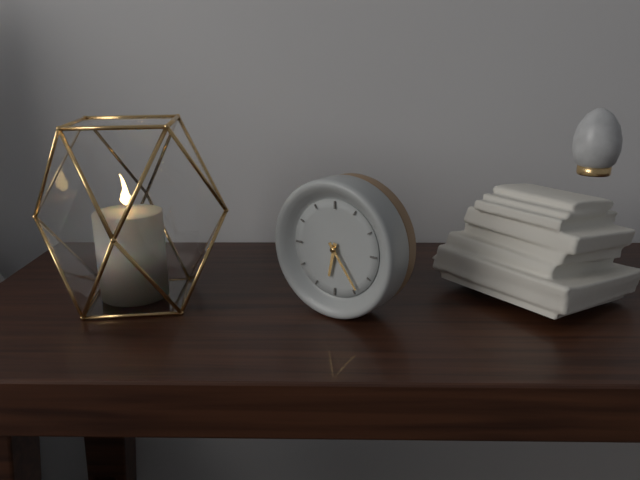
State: 6:24
